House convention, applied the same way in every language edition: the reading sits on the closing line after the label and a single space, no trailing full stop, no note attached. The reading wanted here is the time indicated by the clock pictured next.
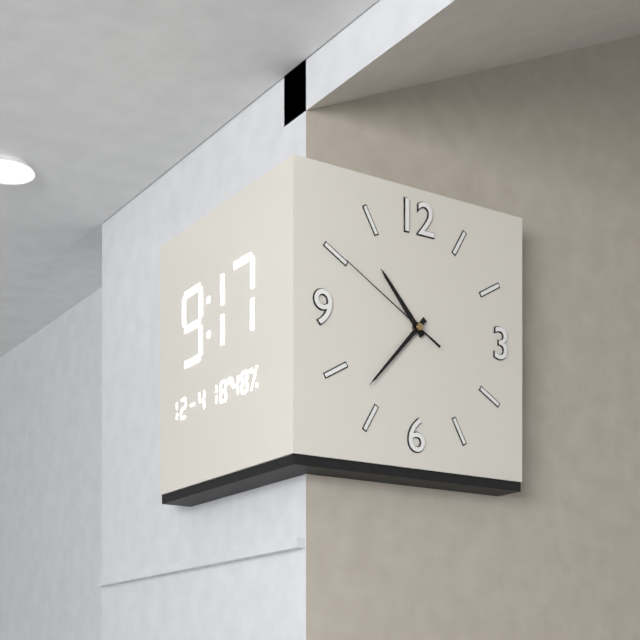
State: 10:37:50
